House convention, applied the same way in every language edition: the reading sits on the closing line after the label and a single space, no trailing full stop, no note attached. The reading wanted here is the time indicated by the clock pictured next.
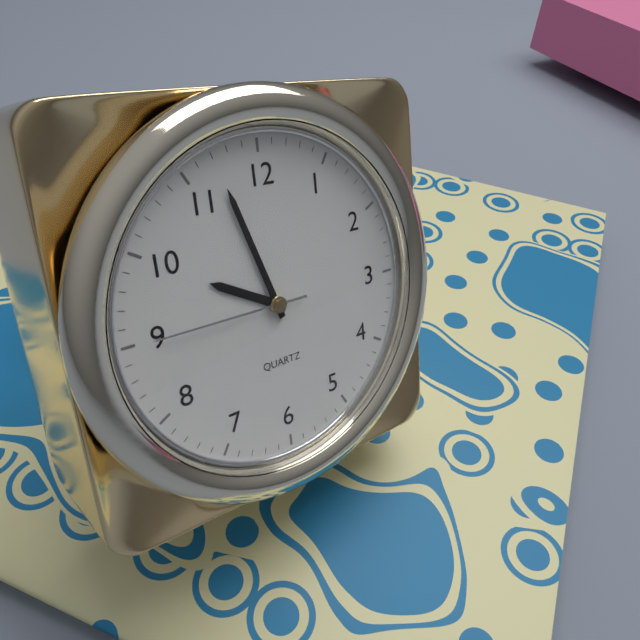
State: 9:57:45
